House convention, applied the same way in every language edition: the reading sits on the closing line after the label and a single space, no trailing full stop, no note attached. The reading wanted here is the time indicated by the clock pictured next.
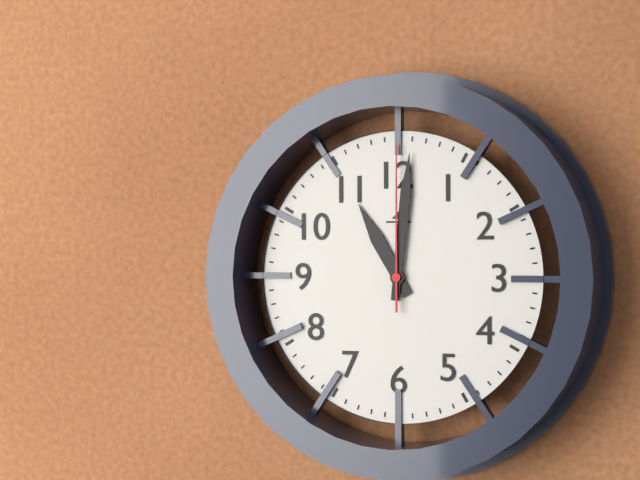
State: 11:01:00
